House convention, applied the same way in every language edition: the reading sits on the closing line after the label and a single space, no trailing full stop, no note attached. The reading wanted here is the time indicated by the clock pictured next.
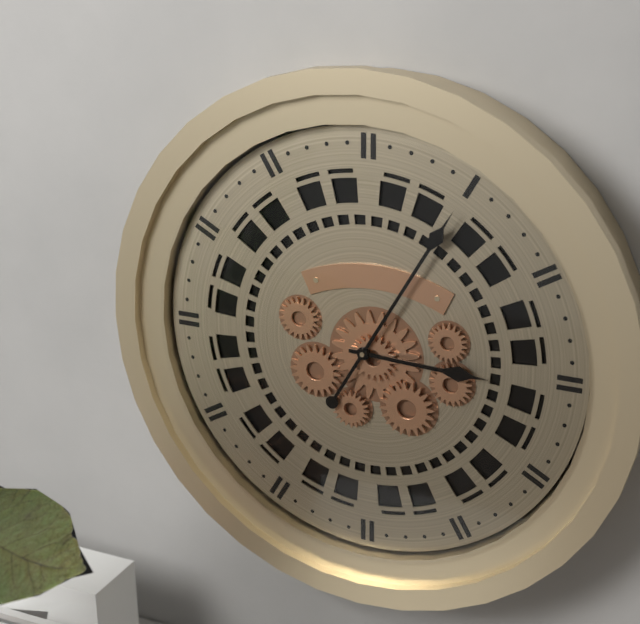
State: 3:05
